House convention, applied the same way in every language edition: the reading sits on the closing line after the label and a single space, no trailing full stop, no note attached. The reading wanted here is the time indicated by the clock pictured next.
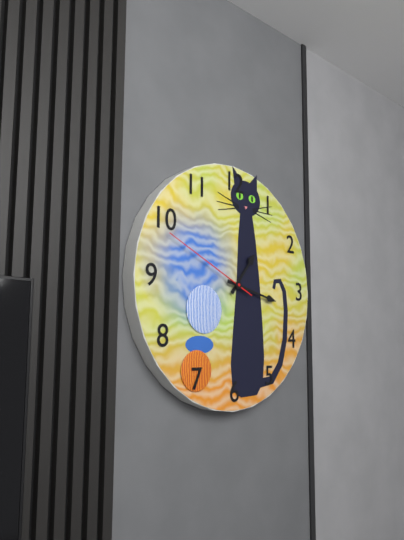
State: 1:17:49
